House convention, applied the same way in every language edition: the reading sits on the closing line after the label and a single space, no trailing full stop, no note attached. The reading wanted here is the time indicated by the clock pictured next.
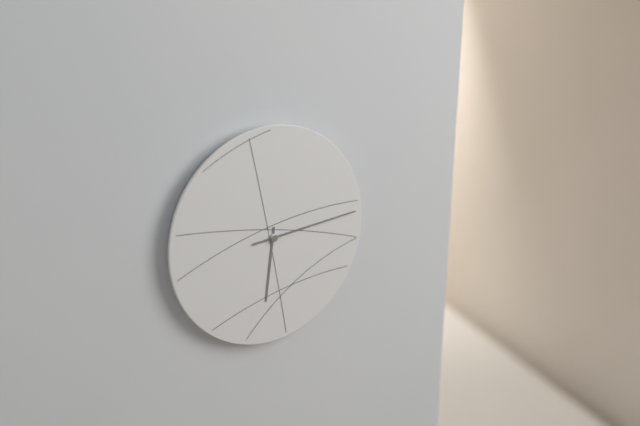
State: 6:14
